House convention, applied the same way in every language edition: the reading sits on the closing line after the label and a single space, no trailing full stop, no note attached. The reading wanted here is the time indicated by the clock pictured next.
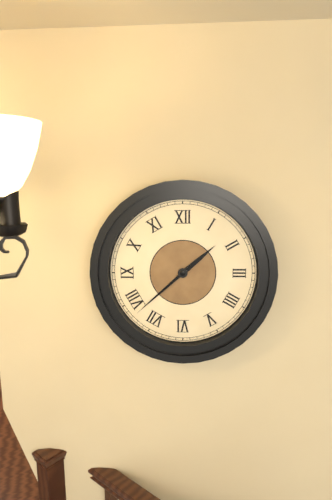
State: 1:38
